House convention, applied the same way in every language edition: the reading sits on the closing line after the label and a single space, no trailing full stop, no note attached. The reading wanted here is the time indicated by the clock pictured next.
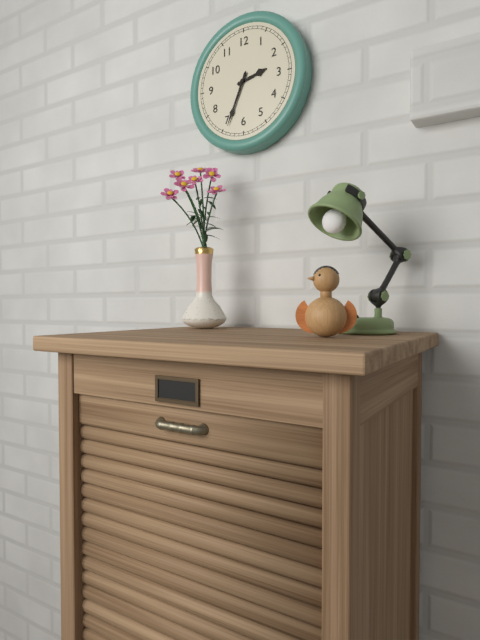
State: 2:34
